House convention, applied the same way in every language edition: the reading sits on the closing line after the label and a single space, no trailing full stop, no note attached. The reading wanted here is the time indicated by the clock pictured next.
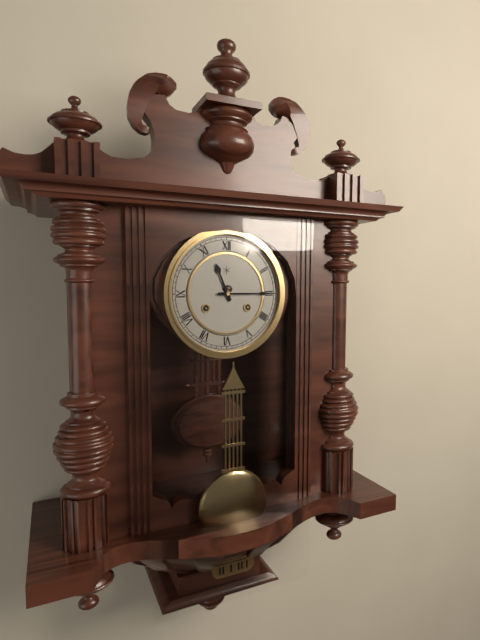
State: 11:15
